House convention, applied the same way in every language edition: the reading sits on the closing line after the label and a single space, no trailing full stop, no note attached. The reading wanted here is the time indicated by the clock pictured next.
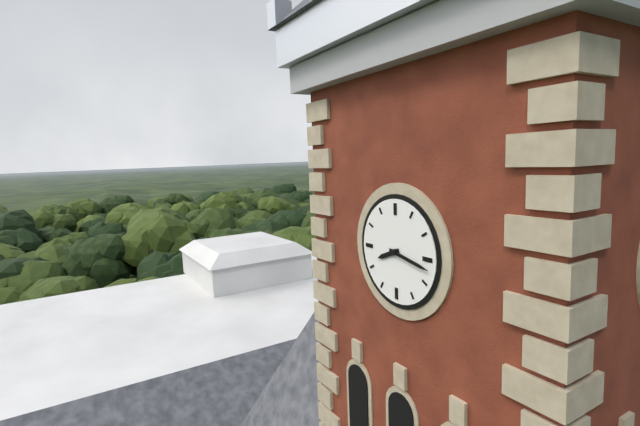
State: 8:17
